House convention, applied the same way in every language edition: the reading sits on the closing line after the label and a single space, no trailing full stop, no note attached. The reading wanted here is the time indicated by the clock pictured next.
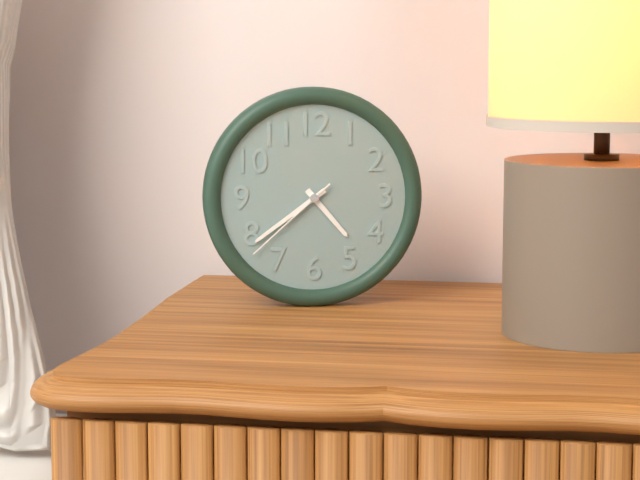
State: 4:39:38
